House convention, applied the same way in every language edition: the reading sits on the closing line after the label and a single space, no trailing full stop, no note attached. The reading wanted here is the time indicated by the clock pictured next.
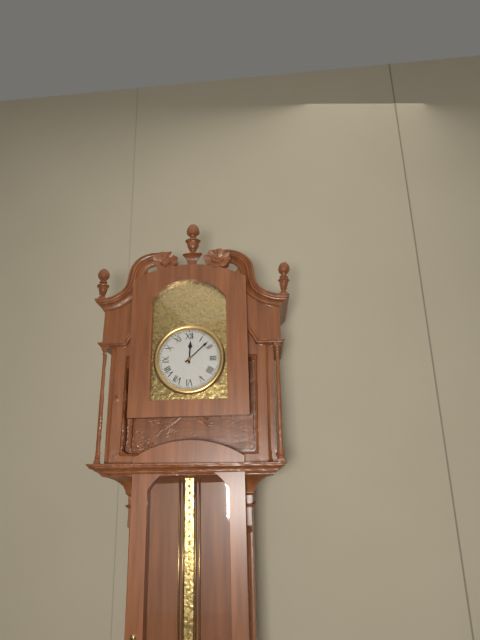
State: 12:08
